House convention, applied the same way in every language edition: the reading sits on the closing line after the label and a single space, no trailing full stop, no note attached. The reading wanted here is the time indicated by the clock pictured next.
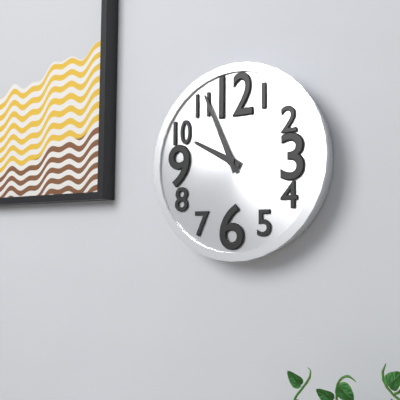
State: 9:56
